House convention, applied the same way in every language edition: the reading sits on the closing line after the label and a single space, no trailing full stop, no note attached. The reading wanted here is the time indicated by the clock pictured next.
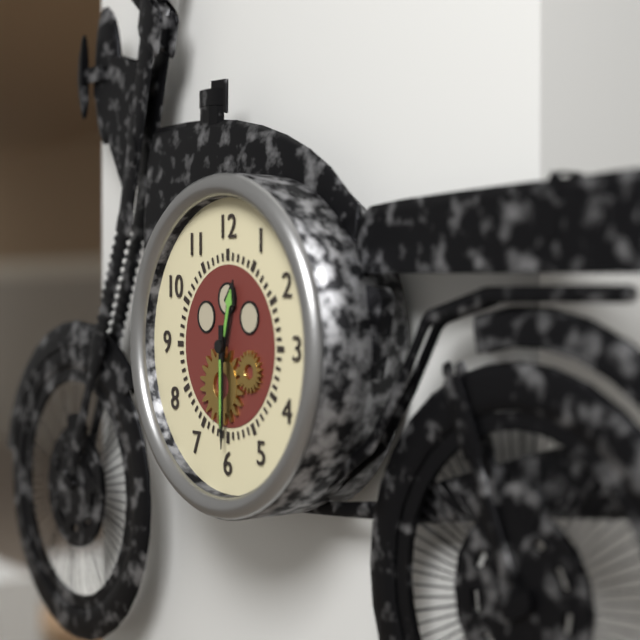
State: 12:30
